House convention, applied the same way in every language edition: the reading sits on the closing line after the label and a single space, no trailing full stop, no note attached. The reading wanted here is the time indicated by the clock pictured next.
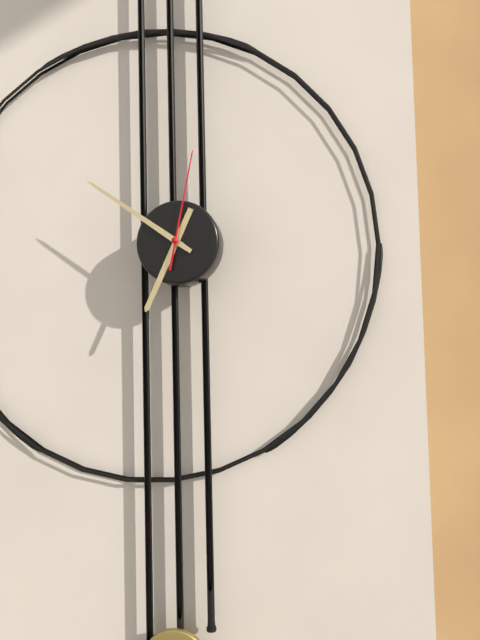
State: 6:51:02
